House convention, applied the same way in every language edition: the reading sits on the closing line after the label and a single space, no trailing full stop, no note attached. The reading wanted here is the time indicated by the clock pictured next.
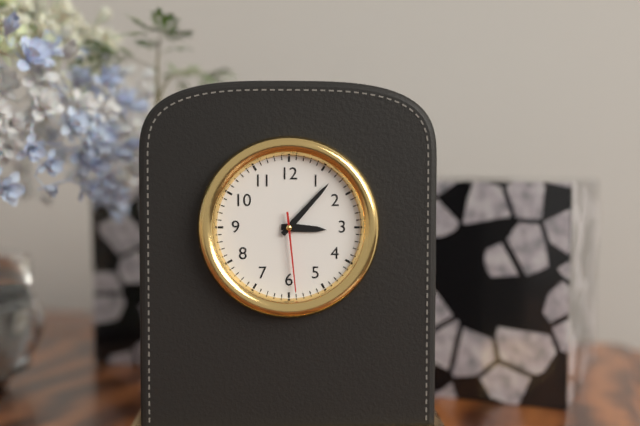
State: 3:07:29
